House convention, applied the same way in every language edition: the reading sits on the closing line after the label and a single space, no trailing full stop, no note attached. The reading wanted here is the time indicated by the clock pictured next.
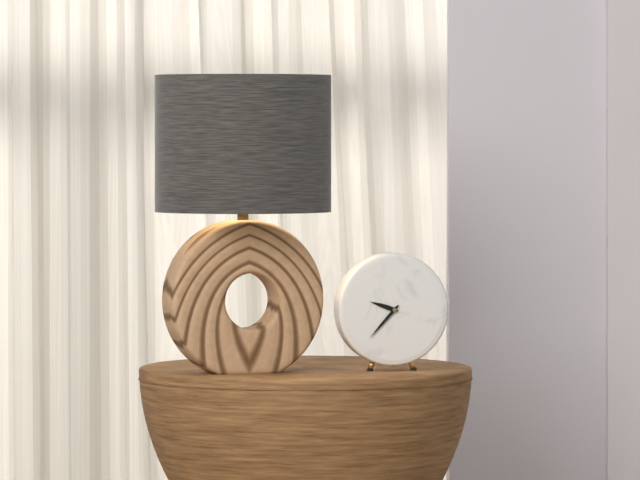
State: 9:37
